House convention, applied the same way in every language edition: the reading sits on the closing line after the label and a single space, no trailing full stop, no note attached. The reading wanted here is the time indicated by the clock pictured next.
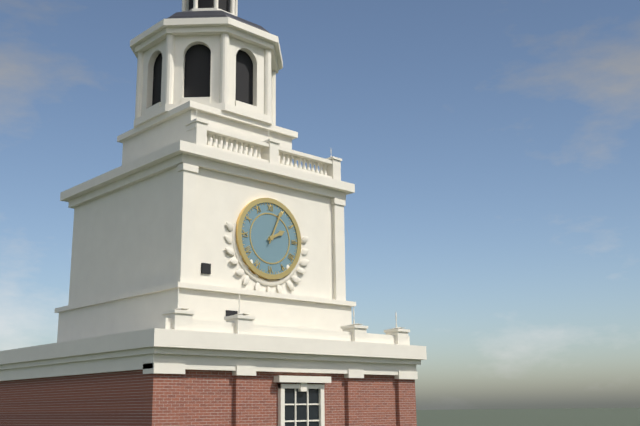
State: 2:04
